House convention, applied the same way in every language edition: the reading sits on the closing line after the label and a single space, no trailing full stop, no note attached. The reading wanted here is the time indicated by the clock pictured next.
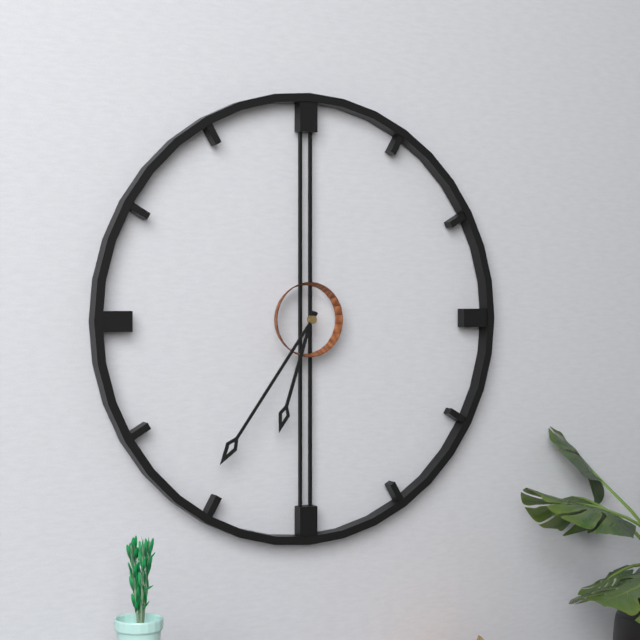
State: 6:36
